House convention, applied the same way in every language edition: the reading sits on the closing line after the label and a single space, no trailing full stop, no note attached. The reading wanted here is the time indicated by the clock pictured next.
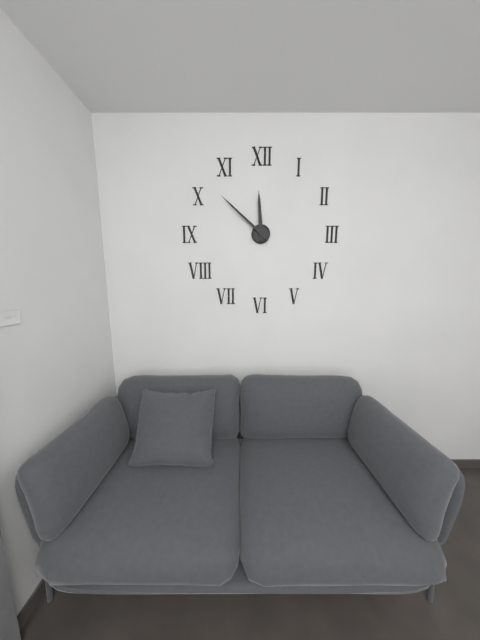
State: 11:52
